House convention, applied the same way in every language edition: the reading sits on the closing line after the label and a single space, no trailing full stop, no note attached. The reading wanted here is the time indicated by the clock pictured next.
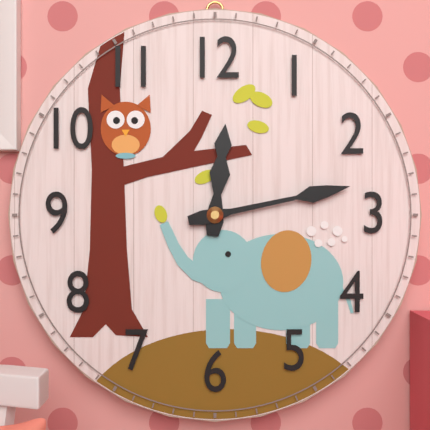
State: 12:13
